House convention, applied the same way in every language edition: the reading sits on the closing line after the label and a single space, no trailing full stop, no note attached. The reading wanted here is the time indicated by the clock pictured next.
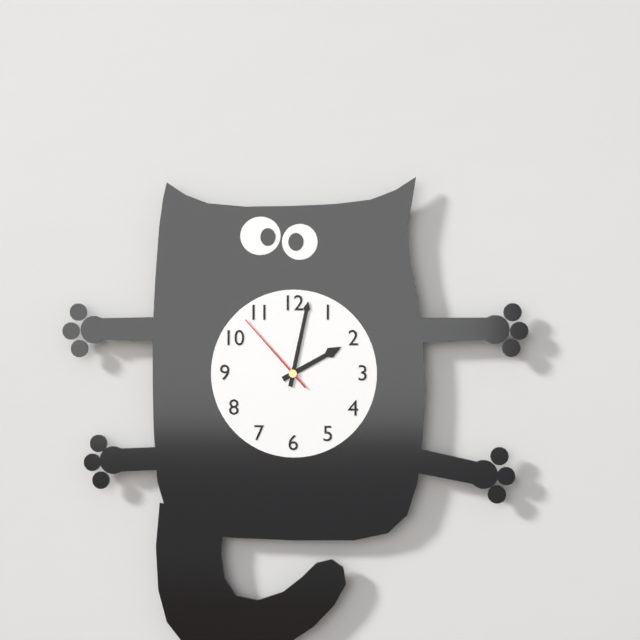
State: 2:02:53
